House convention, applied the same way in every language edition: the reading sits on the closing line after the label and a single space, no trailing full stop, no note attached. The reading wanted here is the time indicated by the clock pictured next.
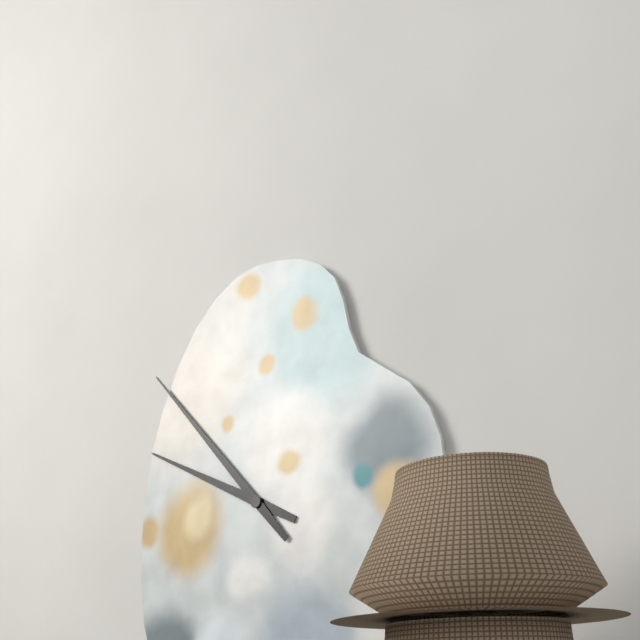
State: 9:53
